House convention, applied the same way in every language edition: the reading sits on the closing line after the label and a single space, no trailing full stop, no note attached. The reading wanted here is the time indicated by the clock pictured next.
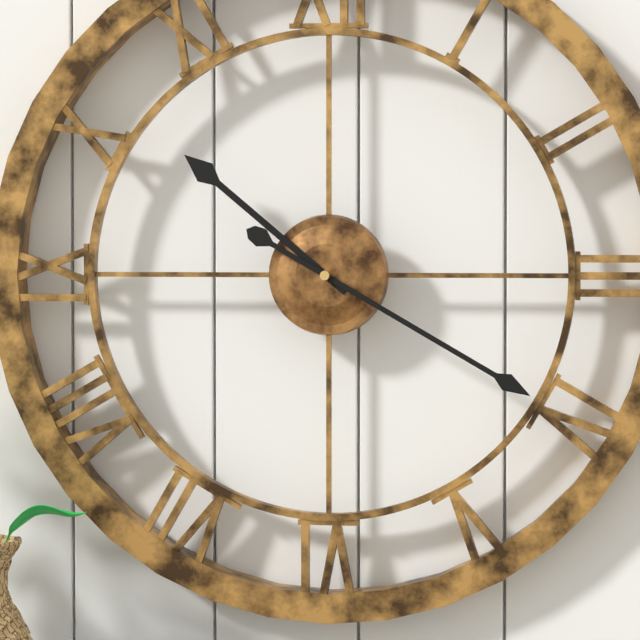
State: 10:20
